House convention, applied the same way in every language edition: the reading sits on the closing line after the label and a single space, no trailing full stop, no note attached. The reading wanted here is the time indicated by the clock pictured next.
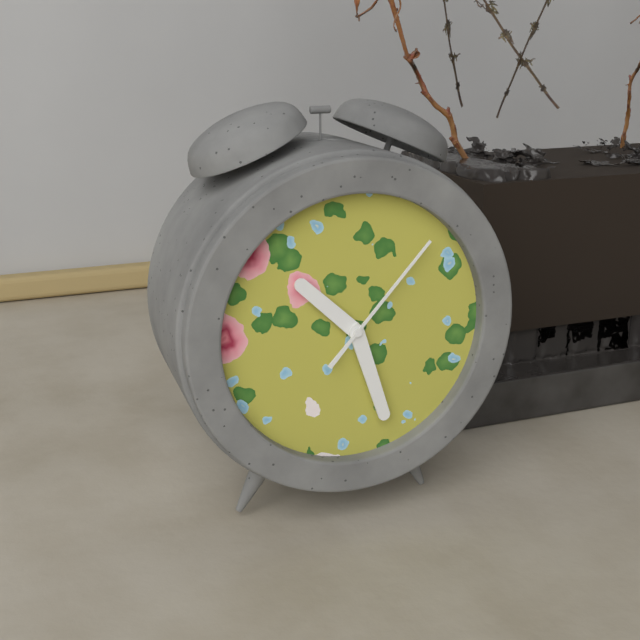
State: 10:27:07
